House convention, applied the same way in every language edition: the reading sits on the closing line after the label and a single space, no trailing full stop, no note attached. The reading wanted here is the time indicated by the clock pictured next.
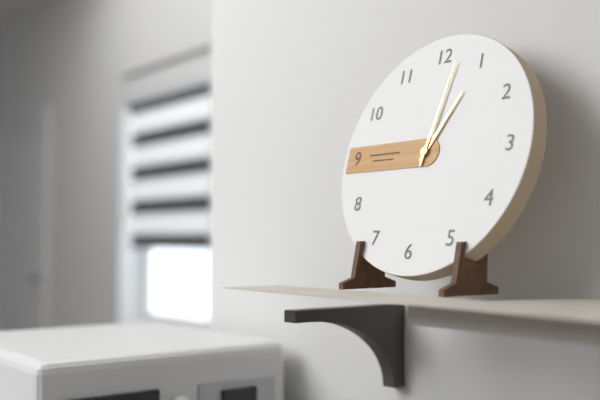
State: 1:02
